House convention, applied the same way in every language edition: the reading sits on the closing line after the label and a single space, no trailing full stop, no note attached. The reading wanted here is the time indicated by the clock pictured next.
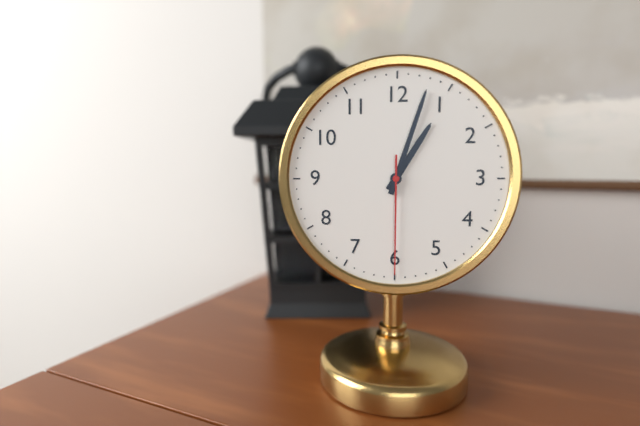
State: 1:03:30
